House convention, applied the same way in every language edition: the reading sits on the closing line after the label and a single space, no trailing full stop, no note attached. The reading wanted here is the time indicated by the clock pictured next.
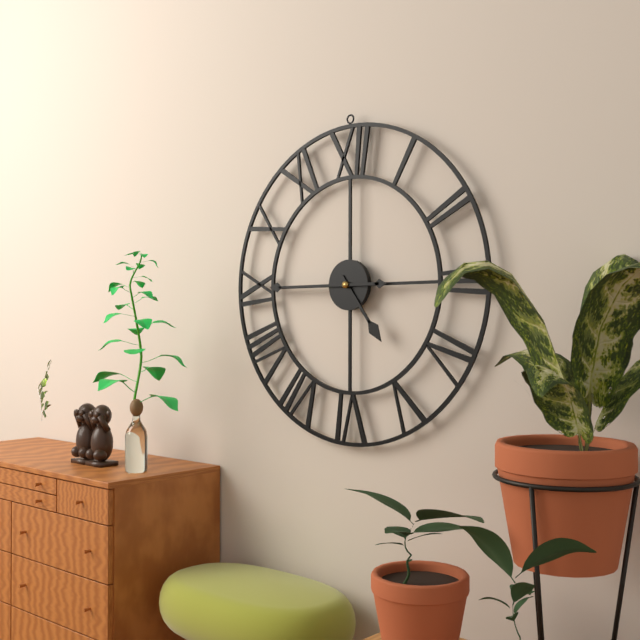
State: 4:45
